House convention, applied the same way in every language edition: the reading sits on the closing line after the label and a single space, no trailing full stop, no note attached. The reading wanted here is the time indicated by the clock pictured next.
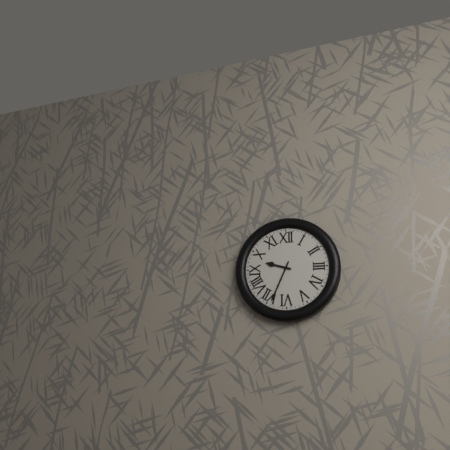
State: 9:34
